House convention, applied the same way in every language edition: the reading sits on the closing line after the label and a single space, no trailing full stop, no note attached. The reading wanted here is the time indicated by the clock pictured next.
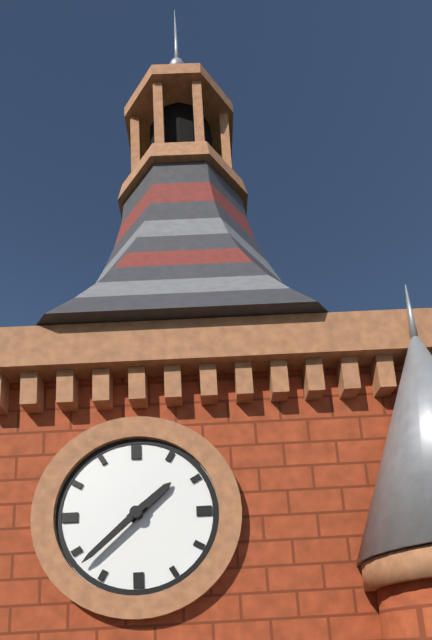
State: 1:38
